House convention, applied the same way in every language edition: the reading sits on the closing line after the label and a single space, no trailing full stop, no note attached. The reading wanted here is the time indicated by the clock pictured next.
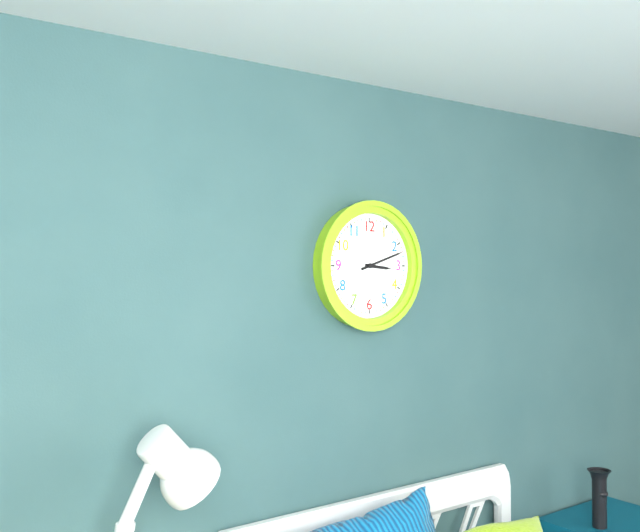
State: 3:12
